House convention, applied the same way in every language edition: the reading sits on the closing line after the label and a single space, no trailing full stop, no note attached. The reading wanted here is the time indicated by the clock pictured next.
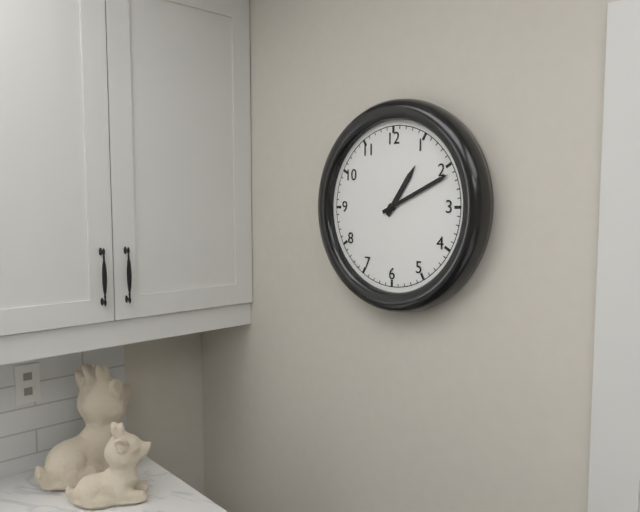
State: 1:11
